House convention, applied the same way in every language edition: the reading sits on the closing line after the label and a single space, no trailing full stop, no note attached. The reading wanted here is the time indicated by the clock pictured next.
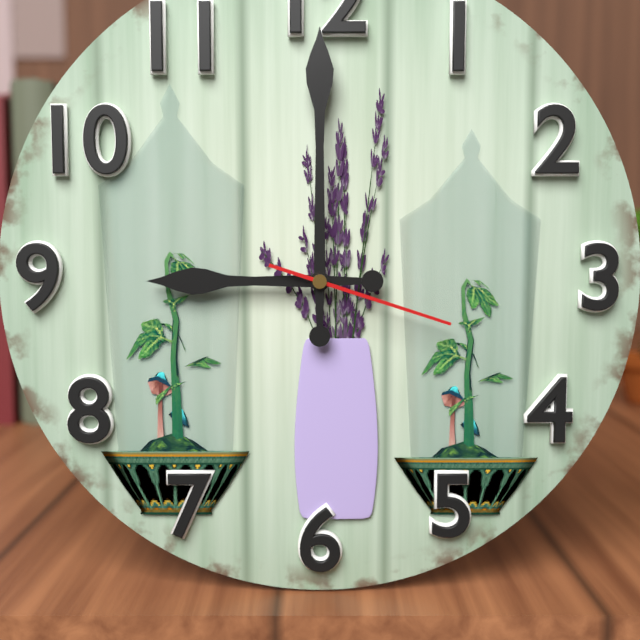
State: 9:00:18
